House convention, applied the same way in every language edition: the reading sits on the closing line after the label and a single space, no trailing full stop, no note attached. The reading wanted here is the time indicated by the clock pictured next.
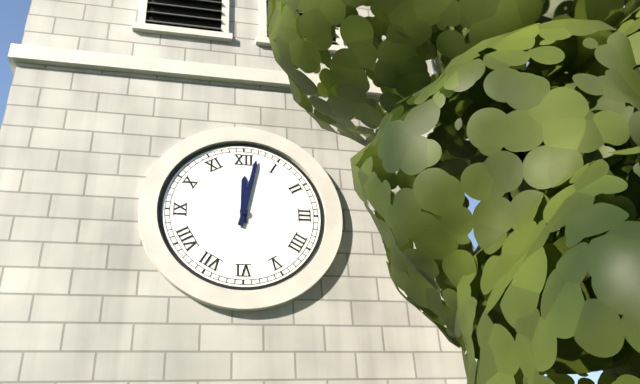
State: 12:02
